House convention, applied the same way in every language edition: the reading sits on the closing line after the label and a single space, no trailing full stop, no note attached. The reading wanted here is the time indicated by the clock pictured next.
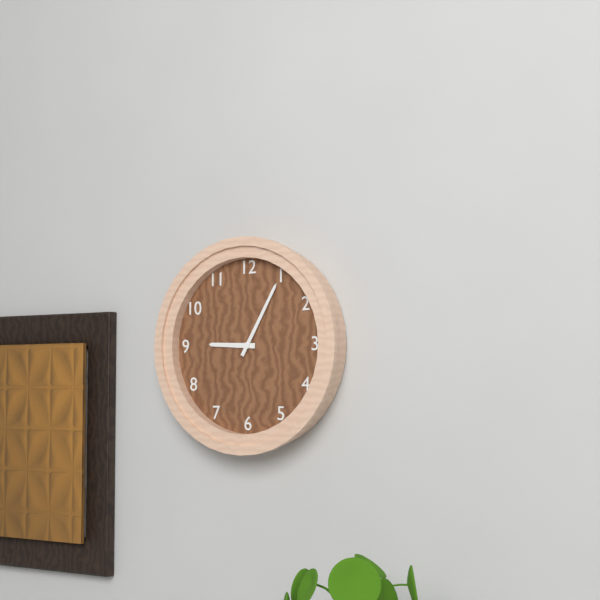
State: 9:05
